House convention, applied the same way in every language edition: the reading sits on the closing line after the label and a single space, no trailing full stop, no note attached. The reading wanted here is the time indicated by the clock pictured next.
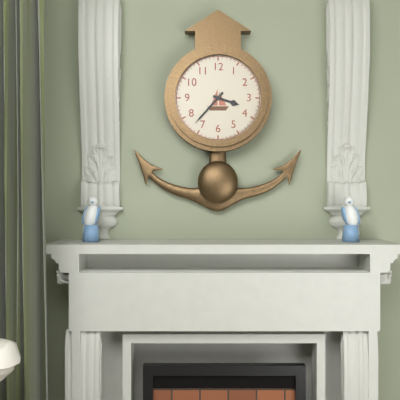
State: 3:37
